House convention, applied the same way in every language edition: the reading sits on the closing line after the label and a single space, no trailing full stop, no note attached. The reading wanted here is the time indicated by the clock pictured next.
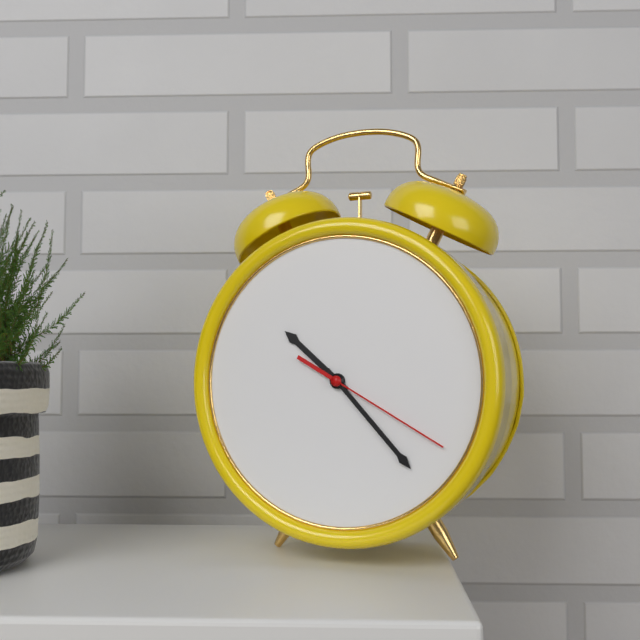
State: 10:23:20
